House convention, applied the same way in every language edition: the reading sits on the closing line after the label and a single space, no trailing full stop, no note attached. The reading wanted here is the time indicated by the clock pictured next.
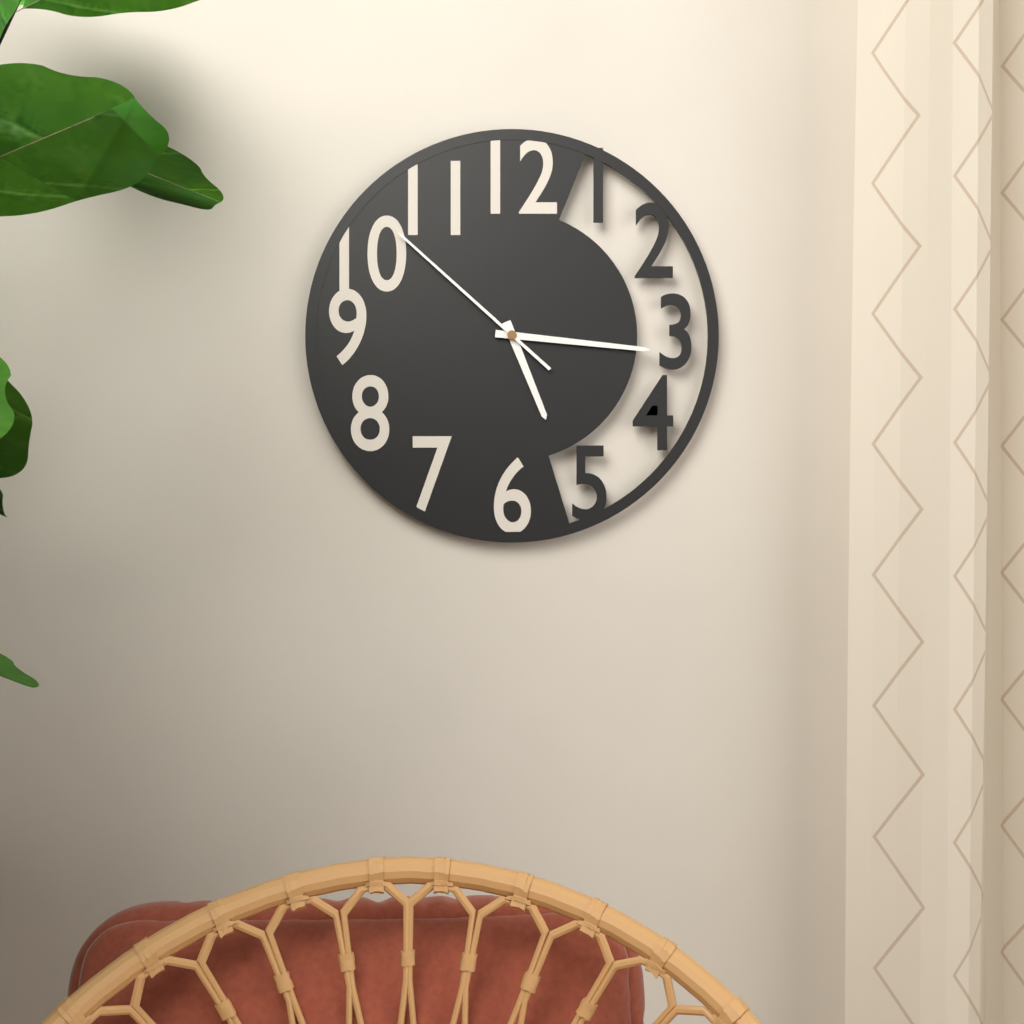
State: 5:16:52
